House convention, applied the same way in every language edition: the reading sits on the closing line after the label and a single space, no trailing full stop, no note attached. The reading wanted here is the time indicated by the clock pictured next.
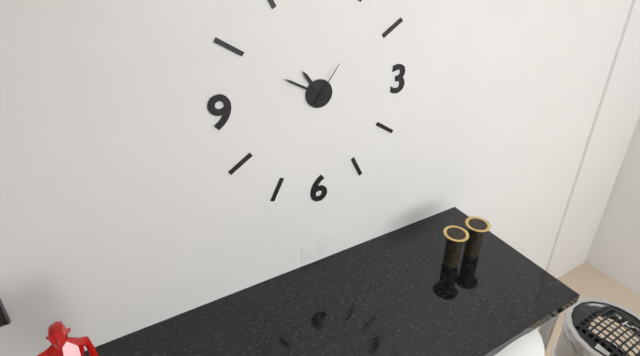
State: 10:50
